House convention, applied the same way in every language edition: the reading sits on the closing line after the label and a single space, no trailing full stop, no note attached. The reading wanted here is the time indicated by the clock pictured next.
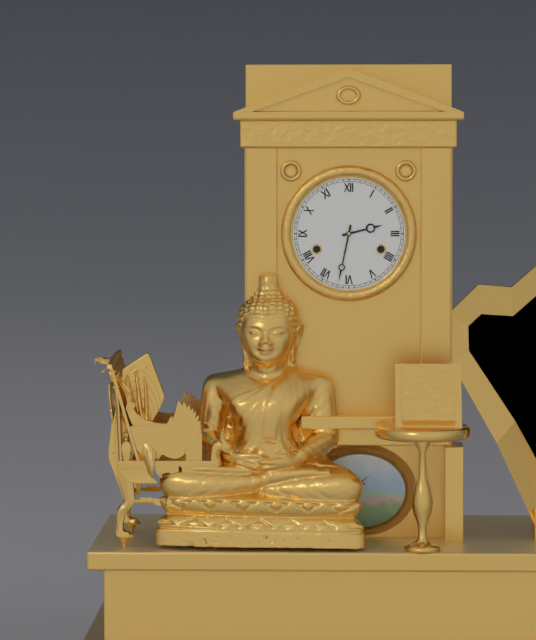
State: 2:32
